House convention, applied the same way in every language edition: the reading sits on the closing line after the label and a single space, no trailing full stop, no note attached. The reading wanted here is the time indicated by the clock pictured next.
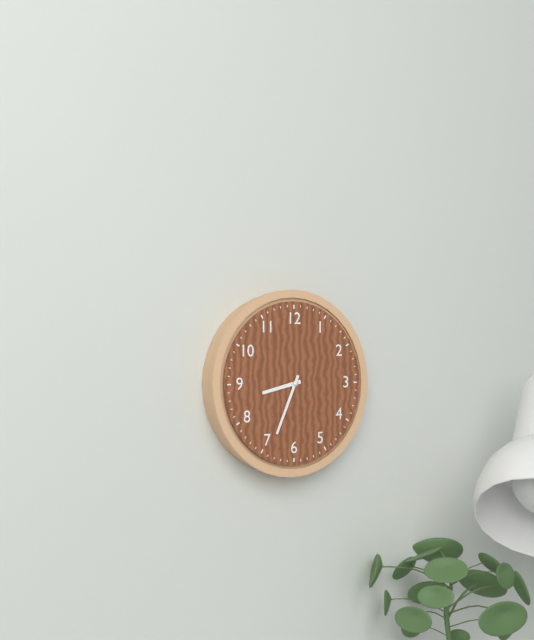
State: 8:34
